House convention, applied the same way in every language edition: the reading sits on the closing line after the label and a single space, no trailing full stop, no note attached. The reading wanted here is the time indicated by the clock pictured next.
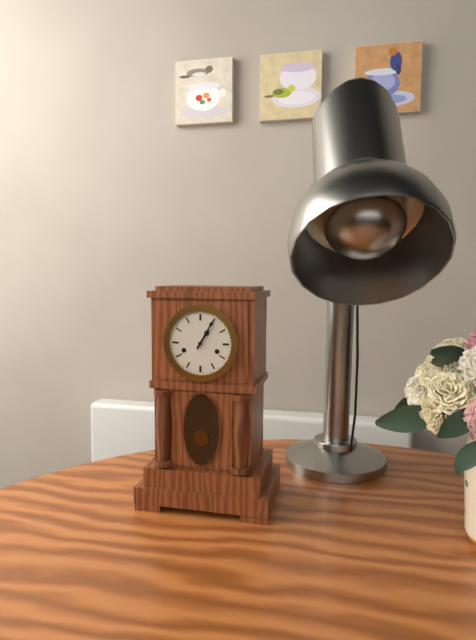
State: 1:05
